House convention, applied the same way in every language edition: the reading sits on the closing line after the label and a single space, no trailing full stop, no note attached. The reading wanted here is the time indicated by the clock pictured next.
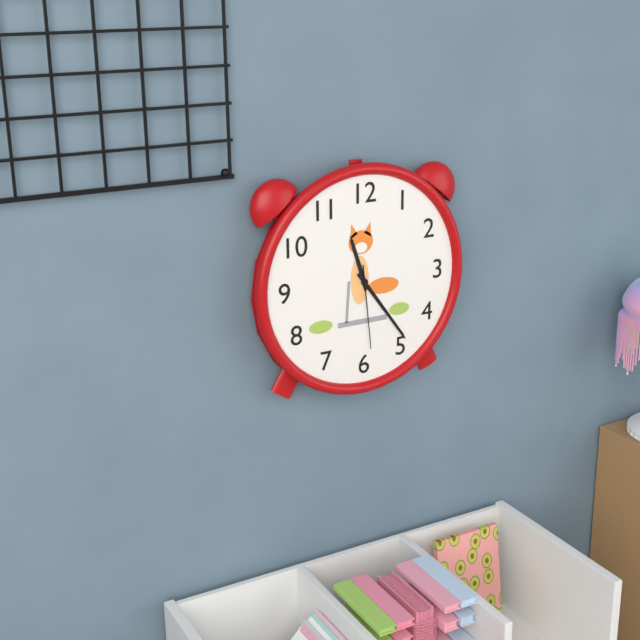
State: 11:24:29
